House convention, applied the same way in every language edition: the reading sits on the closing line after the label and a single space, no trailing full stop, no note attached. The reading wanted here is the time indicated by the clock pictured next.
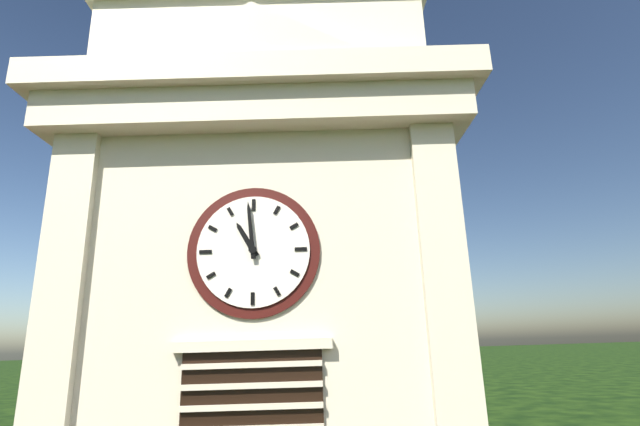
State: 10:59
